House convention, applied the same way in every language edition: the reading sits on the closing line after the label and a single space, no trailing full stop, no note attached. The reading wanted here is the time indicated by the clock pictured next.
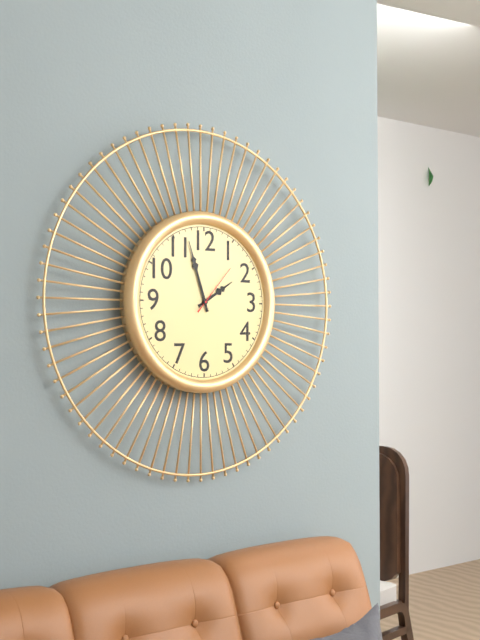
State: 1:57:07
